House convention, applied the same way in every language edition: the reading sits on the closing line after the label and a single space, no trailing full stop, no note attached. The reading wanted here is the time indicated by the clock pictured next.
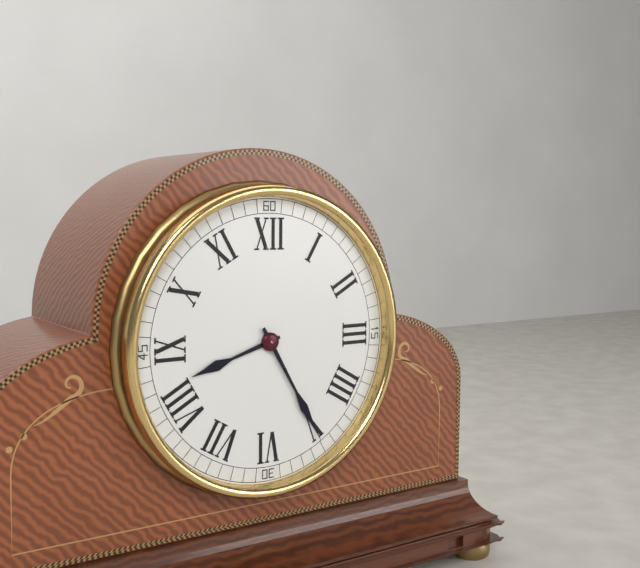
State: 8:25
